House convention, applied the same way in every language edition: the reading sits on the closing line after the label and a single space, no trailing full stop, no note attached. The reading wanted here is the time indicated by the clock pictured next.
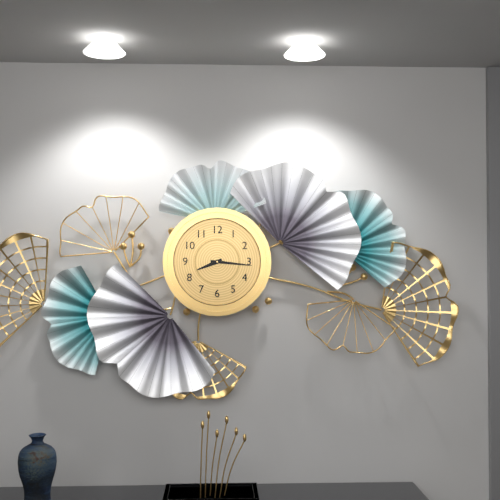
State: 8:16
